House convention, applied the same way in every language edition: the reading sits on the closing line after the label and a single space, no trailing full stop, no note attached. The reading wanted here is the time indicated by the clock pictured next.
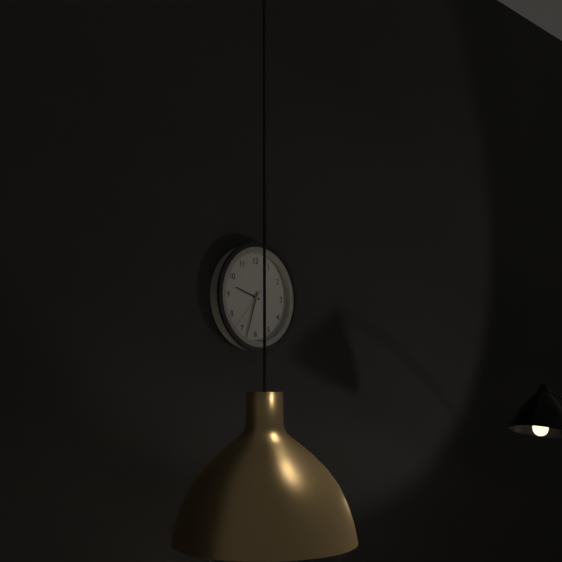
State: 9:33
